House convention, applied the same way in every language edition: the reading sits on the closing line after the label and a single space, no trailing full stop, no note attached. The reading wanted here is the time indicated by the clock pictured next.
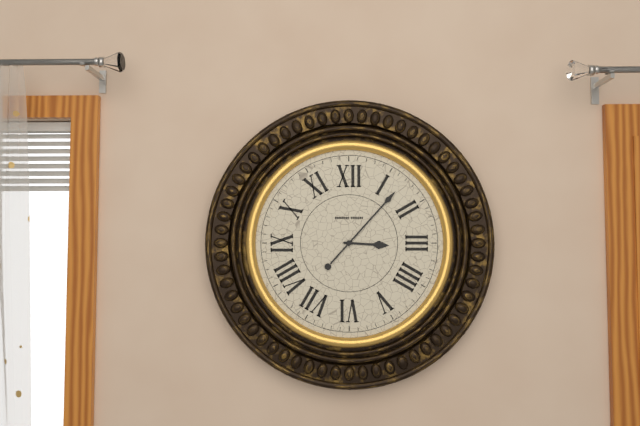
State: 3:07
